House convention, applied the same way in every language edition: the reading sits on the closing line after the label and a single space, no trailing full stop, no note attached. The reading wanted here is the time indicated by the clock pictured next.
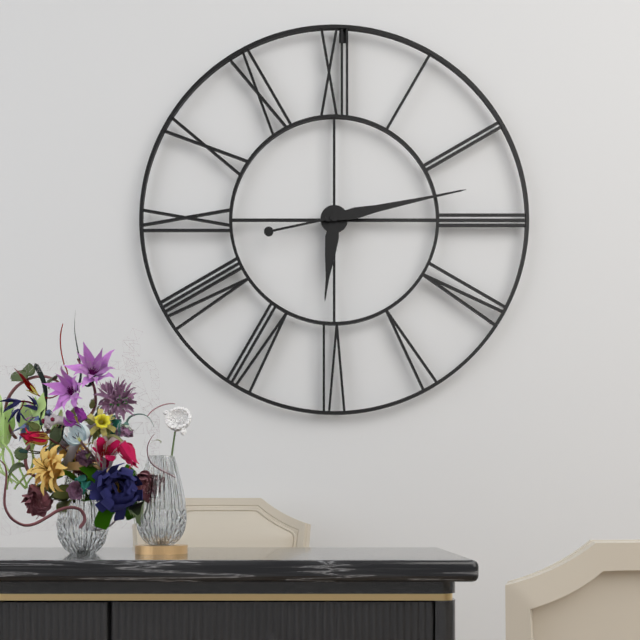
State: 6:13
